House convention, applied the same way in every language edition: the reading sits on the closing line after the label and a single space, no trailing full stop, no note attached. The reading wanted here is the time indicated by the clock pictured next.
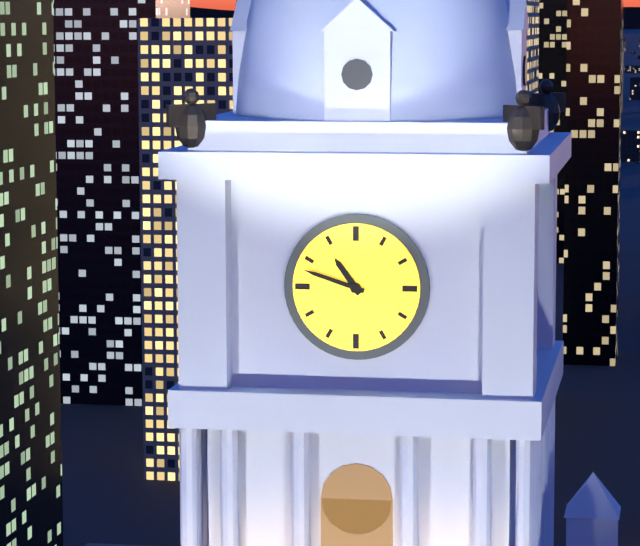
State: 10:48
